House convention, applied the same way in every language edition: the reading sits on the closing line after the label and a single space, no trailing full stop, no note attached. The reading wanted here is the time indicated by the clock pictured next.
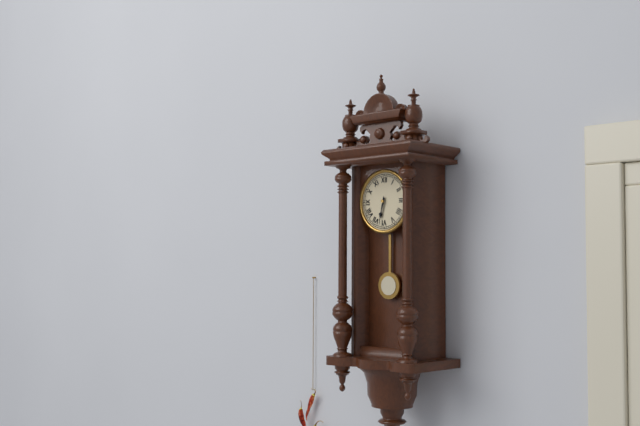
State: 6:32
